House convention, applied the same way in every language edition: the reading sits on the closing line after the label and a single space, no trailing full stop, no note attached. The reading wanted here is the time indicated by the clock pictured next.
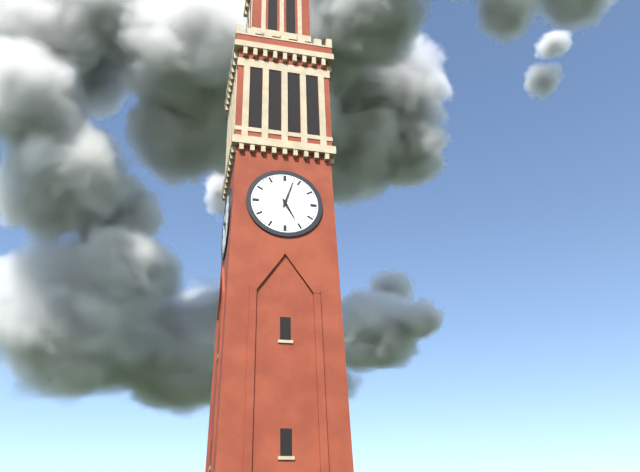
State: 5:03
